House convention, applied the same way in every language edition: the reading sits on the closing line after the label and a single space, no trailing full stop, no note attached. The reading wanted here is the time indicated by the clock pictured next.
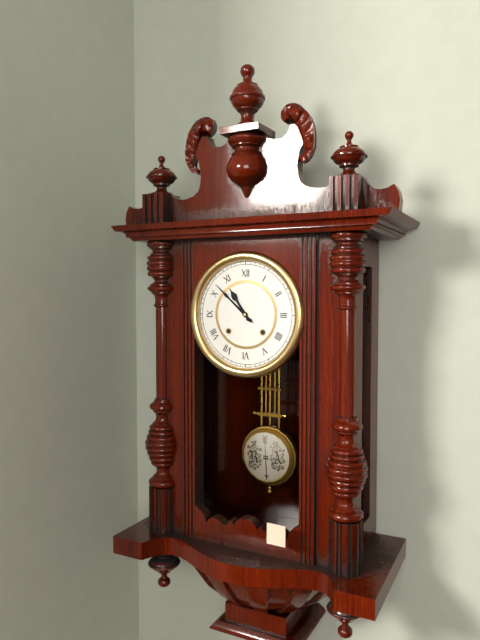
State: 10:52
